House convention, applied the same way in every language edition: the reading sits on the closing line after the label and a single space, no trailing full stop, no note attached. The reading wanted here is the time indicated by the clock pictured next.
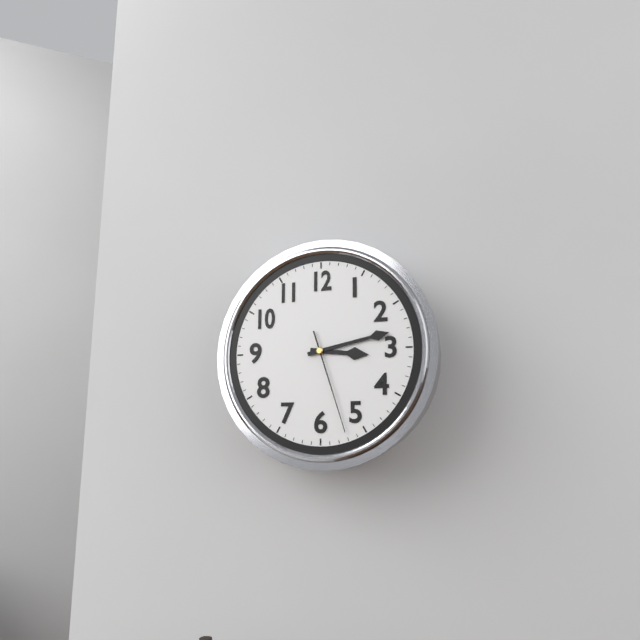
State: 3:13:27
